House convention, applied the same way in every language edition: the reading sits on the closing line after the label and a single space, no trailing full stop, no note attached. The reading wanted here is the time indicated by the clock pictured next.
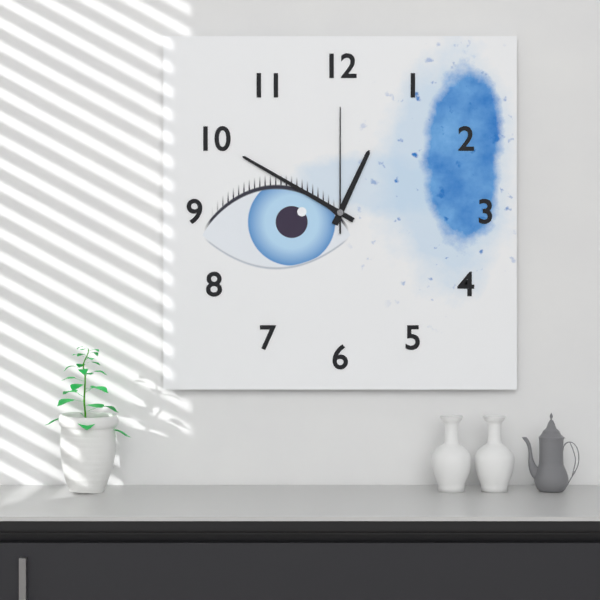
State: 12:50:00
